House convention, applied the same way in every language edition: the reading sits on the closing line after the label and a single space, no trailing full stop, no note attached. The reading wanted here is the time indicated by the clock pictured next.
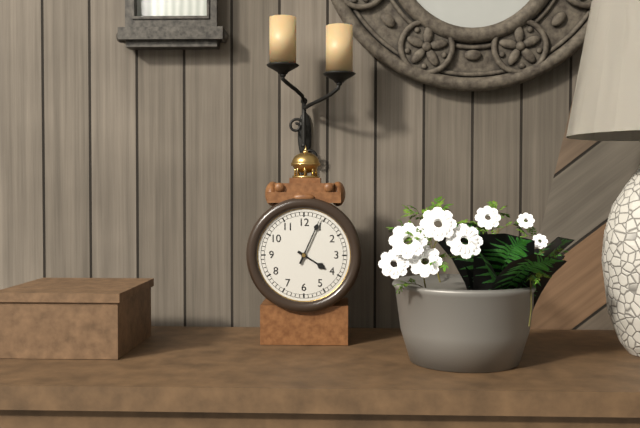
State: 4:04
